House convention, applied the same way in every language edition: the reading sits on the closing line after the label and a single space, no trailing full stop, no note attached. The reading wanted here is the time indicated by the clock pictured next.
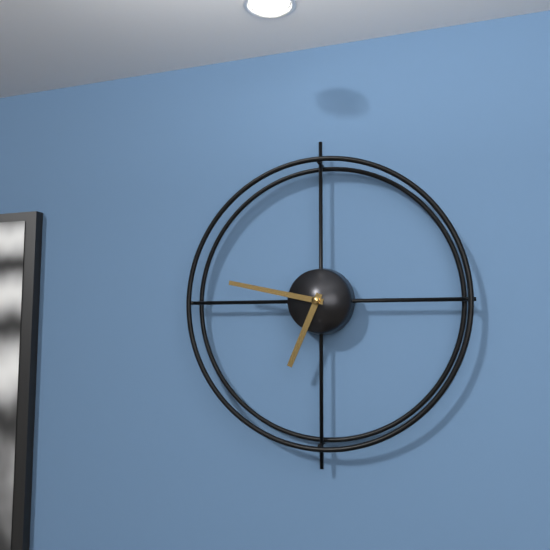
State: 6:47
